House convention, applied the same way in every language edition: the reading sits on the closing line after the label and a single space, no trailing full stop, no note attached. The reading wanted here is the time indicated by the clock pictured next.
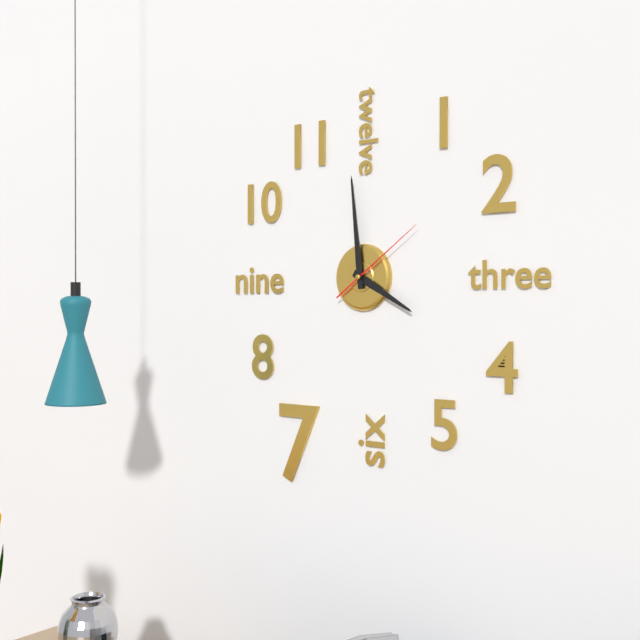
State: 3:59:09
